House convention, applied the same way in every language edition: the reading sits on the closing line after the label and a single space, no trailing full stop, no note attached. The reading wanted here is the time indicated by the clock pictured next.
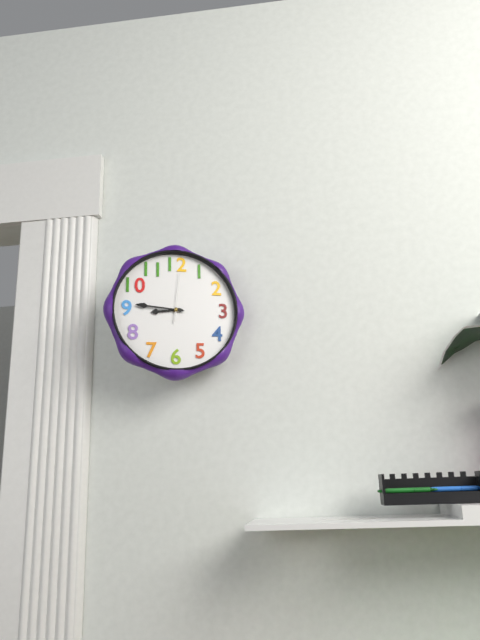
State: 8:46
